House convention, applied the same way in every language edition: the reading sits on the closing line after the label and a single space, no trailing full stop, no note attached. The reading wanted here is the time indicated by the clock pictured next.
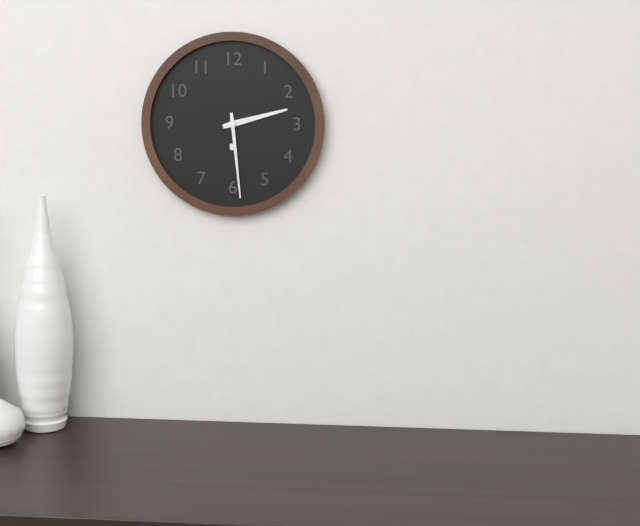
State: 2:29
